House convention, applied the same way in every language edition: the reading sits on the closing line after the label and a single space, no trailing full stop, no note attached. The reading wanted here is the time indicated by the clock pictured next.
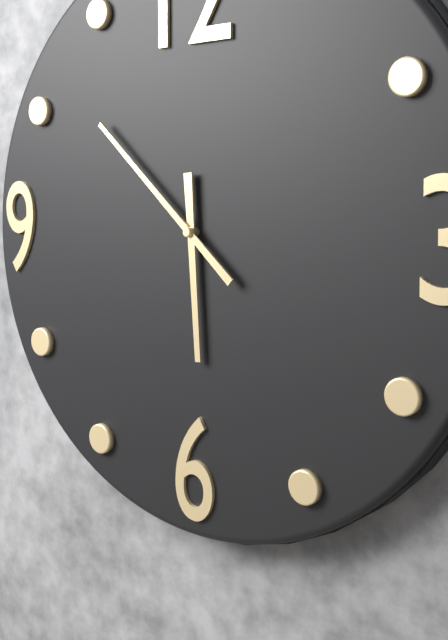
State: 5:52
